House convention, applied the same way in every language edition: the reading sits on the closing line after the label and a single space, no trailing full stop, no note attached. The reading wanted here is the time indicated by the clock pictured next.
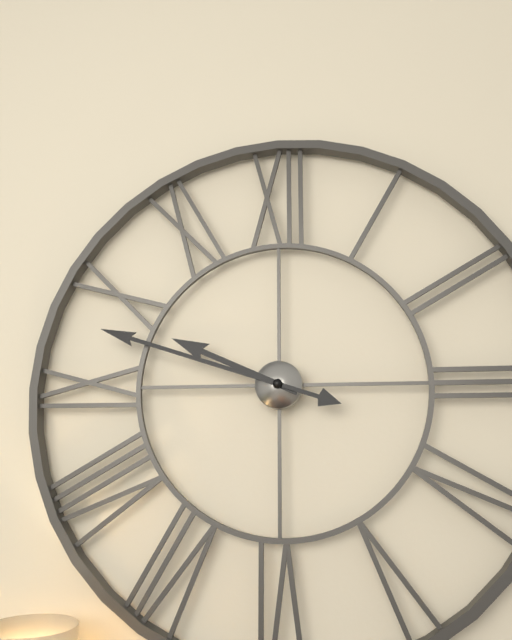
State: 9:48
